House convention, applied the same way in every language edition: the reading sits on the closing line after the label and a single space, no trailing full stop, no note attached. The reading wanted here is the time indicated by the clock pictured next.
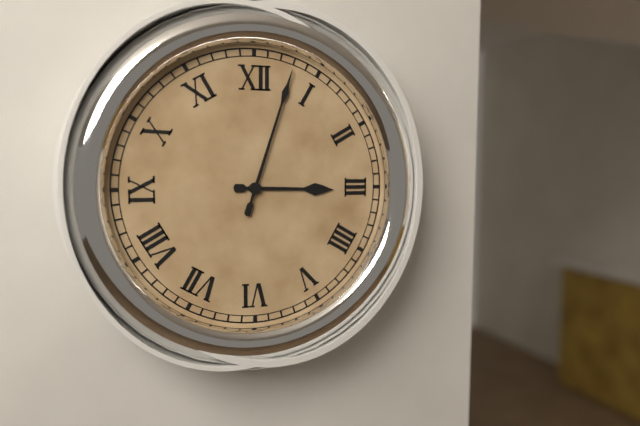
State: 3:03
